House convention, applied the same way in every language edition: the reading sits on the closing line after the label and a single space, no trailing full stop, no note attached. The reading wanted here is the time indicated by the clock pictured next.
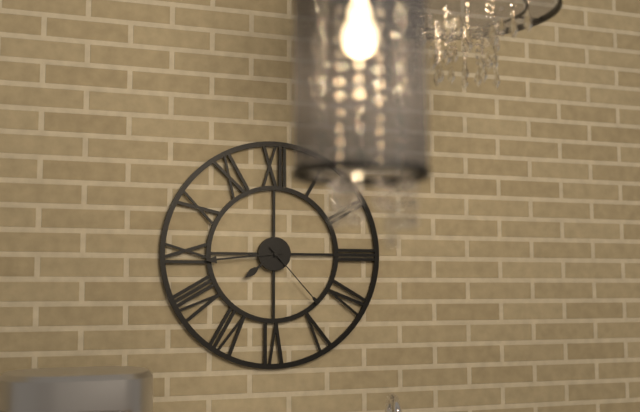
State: 7:44:23
